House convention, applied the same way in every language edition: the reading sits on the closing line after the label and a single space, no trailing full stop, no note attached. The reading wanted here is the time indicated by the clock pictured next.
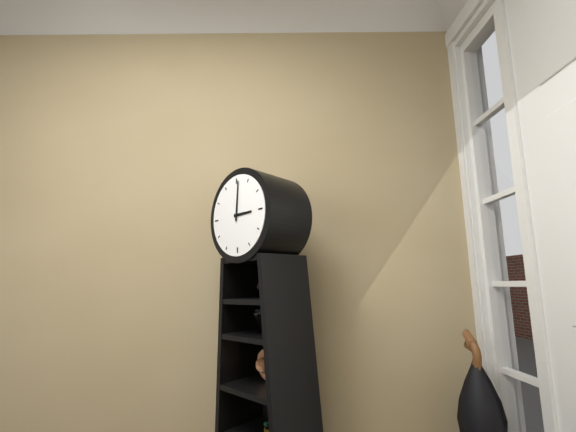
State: 3:01
